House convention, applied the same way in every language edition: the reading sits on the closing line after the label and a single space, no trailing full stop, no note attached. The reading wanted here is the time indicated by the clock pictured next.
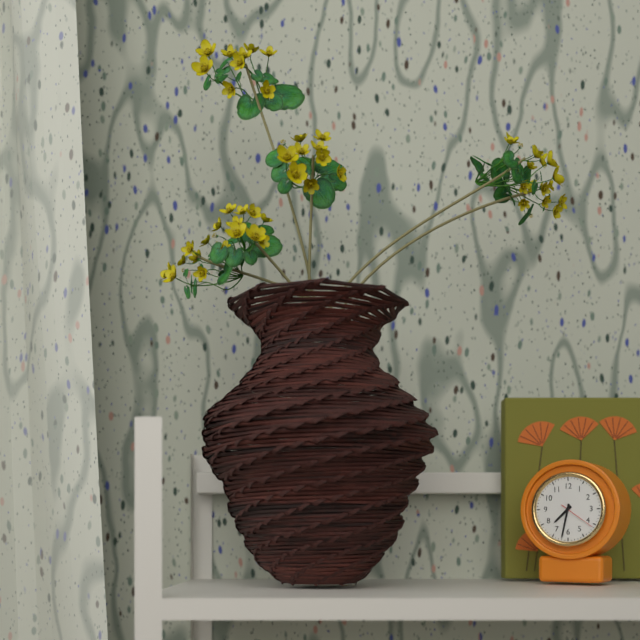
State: 7:32
